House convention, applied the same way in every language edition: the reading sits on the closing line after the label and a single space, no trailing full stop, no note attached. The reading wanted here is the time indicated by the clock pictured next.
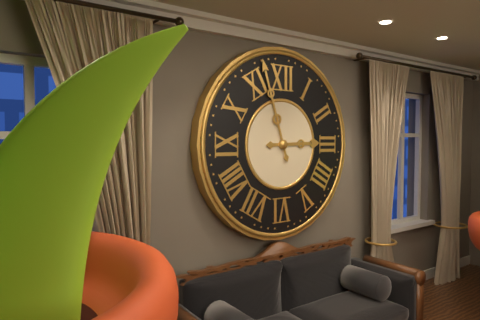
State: 2:57
